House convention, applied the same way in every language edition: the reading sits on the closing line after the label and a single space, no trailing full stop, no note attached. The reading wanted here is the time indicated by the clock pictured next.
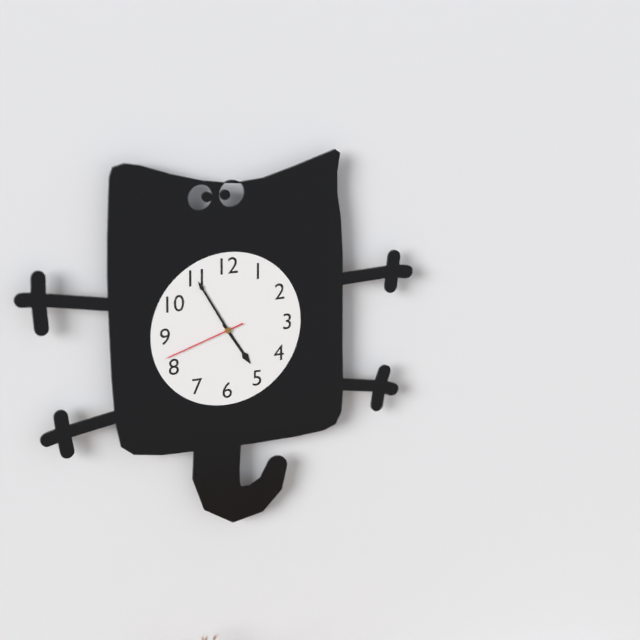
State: 4:55:42
